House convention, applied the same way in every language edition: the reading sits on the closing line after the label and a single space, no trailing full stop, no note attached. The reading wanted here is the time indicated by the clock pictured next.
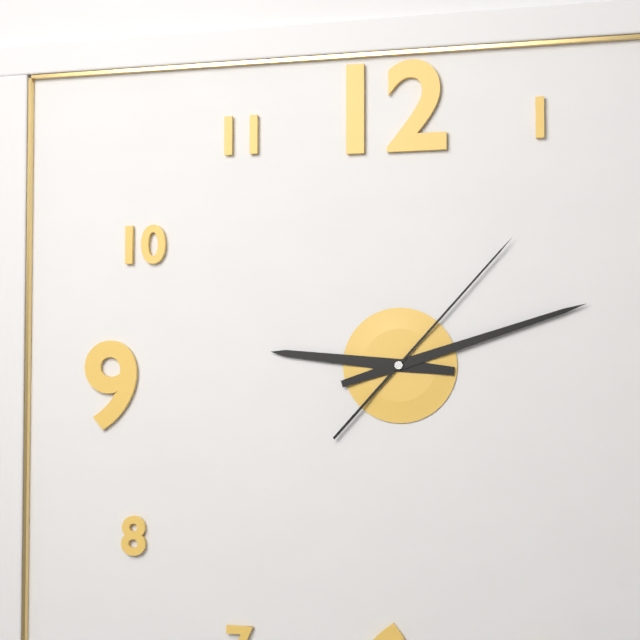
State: 9:12:07
